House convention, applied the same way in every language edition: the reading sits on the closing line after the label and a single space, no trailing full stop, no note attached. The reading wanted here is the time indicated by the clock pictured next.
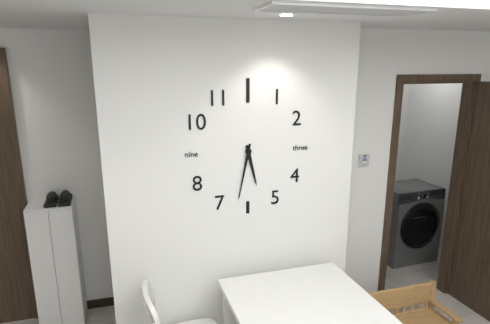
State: 5:32
